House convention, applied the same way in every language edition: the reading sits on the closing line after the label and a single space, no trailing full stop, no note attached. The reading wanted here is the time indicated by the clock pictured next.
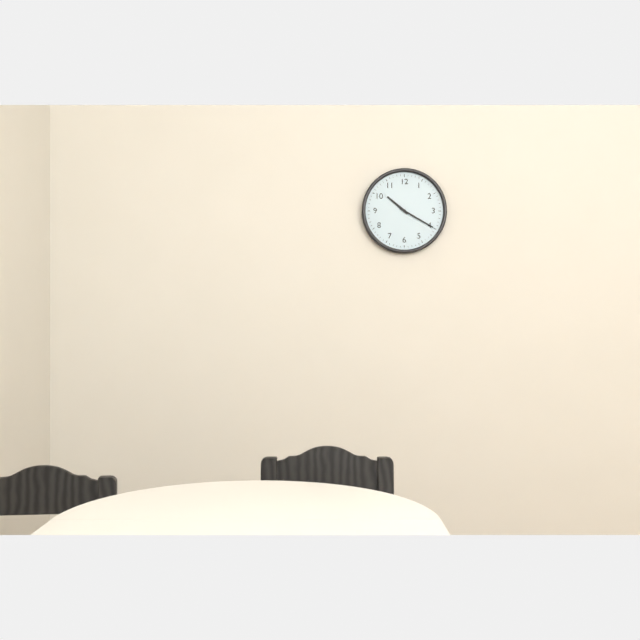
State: 10:20
